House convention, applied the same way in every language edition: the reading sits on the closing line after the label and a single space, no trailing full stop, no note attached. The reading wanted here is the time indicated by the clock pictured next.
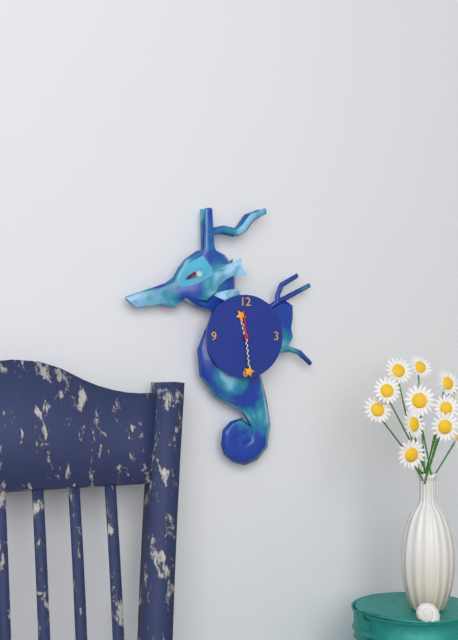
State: 11:29
